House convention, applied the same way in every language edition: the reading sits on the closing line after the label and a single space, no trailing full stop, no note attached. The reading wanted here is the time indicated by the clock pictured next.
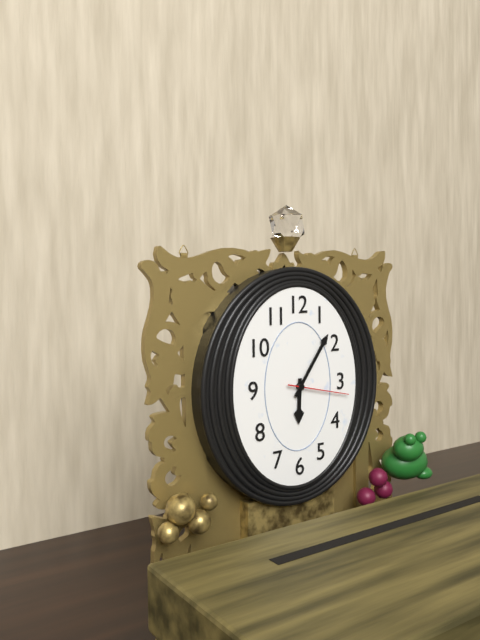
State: 6:06:17
